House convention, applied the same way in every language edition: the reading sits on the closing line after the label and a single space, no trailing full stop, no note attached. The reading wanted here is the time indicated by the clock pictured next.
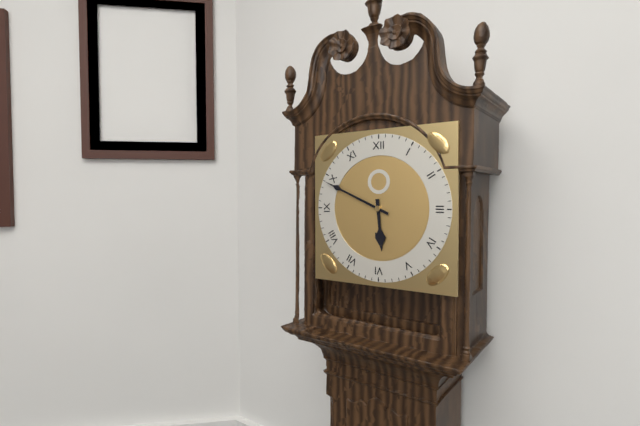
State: 5:49
